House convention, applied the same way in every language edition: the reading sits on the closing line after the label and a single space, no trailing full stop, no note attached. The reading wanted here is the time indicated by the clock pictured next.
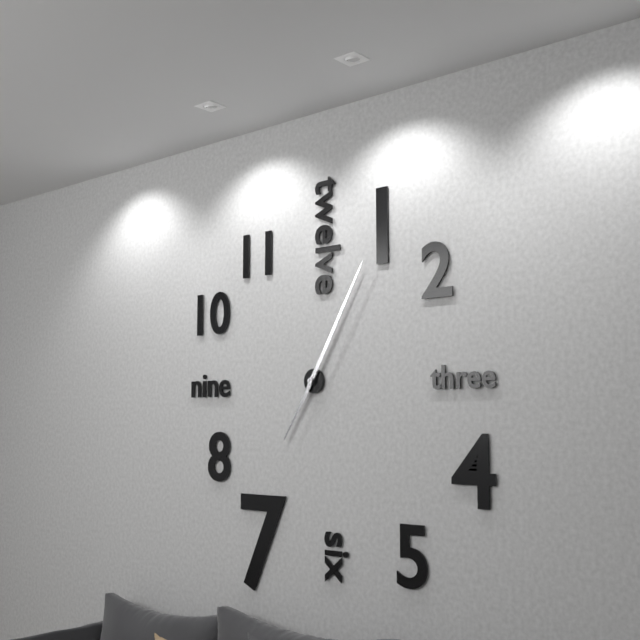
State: 7:05
